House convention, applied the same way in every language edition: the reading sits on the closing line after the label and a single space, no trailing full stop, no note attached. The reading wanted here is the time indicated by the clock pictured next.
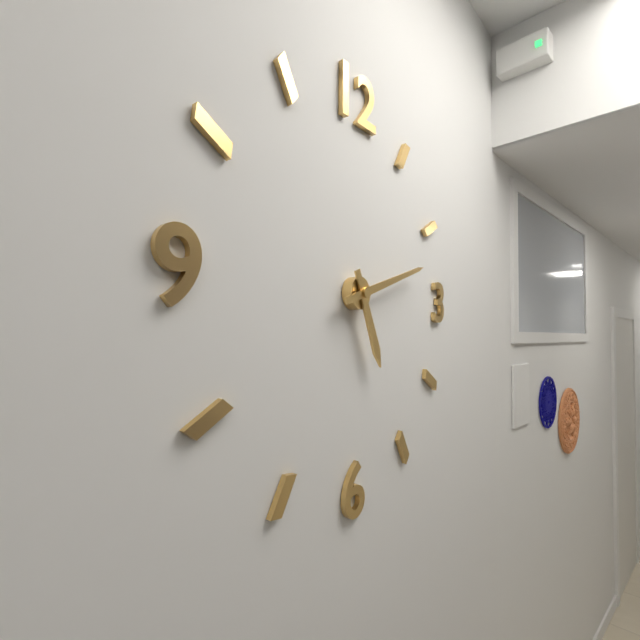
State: 5:12
